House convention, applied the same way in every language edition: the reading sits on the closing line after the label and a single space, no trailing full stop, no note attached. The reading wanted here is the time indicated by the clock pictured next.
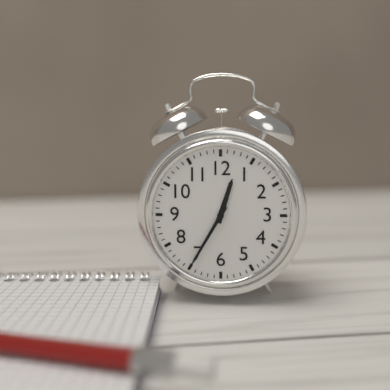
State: 12:35
